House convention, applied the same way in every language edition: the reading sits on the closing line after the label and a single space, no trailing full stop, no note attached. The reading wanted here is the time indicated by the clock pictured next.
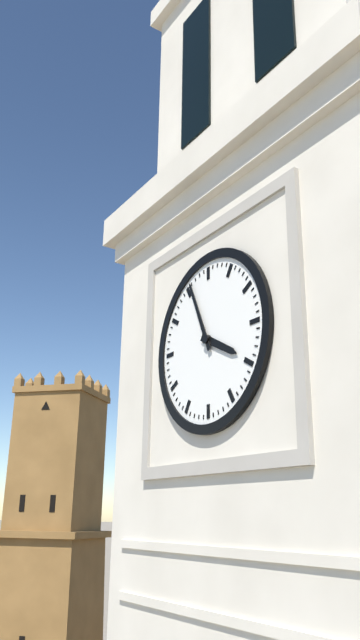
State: 3:56
